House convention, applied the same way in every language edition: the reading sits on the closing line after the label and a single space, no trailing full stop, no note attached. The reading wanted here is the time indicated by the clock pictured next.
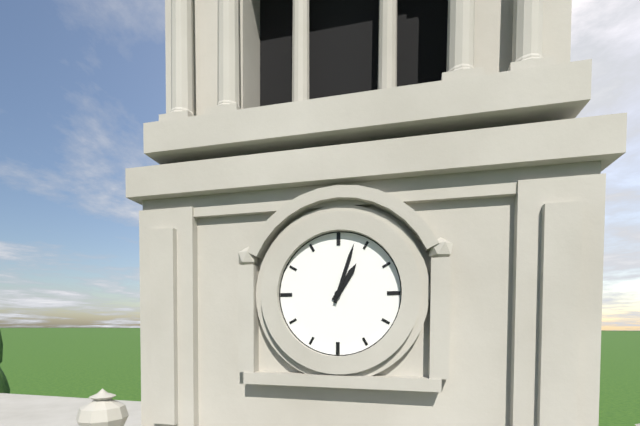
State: 1:03
